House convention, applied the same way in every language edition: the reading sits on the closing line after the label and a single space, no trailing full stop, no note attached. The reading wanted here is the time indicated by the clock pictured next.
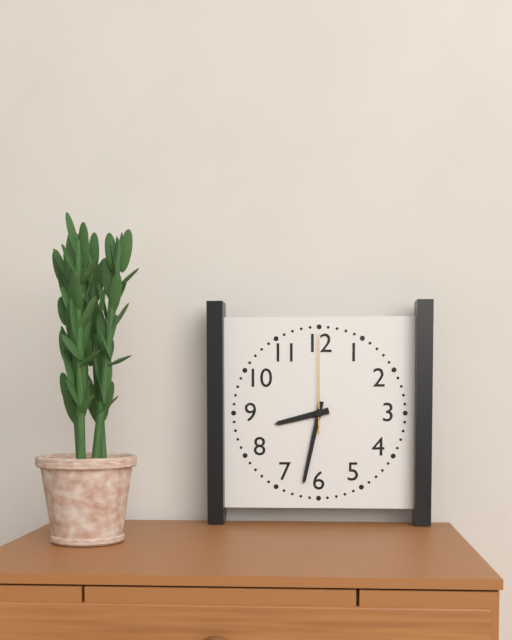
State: 8:32:00
